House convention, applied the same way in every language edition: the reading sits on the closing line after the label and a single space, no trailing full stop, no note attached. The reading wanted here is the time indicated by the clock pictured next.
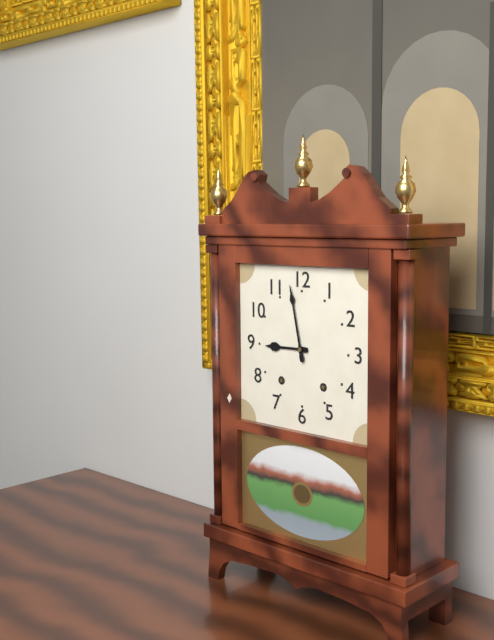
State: 8:58
